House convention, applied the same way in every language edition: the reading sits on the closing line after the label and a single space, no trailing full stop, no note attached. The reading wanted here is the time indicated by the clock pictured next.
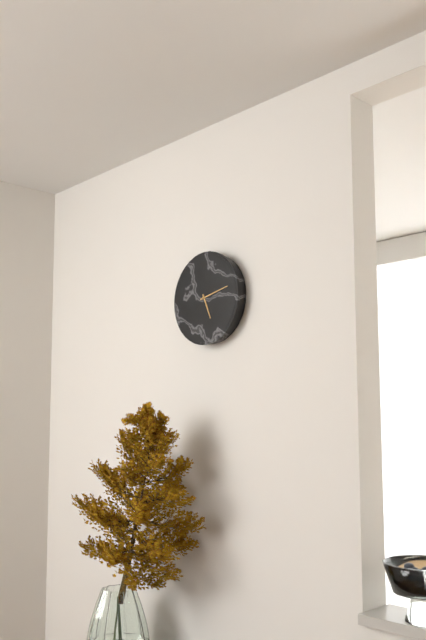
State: 5:13
